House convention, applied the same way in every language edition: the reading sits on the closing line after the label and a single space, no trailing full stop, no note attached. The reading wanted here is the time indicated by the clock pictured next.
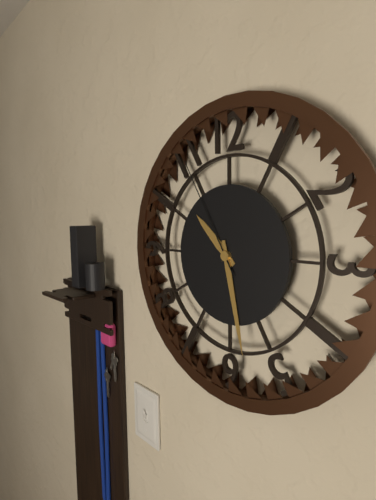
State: 10:28:55
